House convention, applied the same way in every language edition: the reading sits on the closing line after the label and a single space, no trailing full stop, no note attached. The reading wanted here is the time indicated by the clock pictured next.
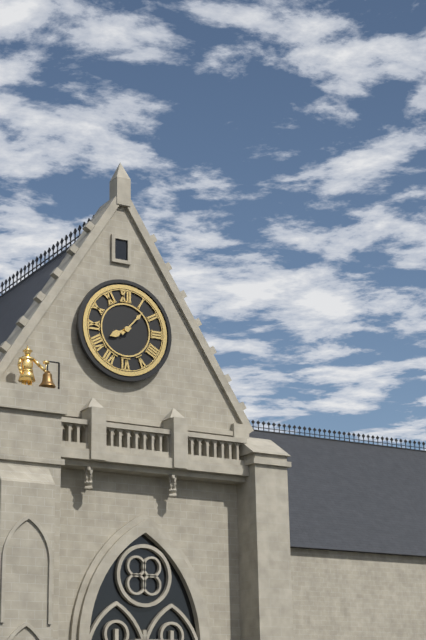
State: 8:07
